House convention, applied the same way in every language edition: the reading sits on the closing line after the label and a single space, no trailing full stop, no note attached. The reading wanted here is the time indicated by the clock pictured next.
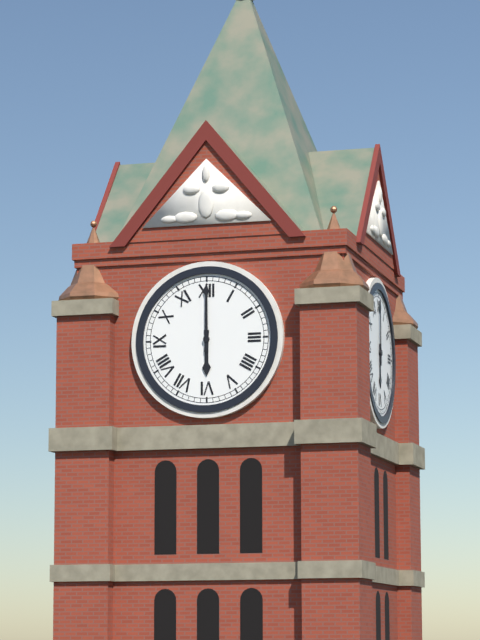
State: 6:00
